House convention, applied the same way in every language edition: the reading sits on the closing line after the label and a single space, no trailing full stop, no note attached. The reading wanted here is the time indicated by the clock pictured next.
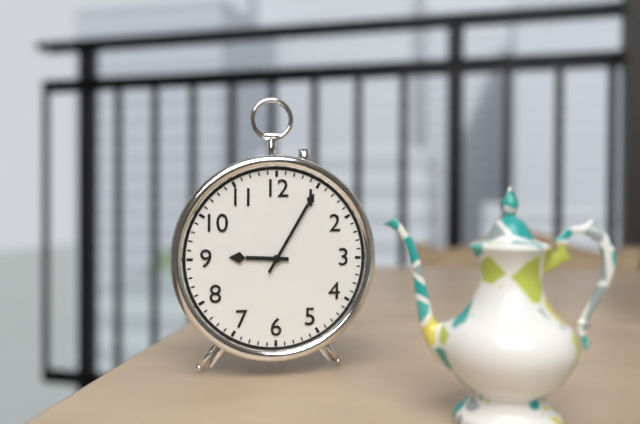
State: 9:05
